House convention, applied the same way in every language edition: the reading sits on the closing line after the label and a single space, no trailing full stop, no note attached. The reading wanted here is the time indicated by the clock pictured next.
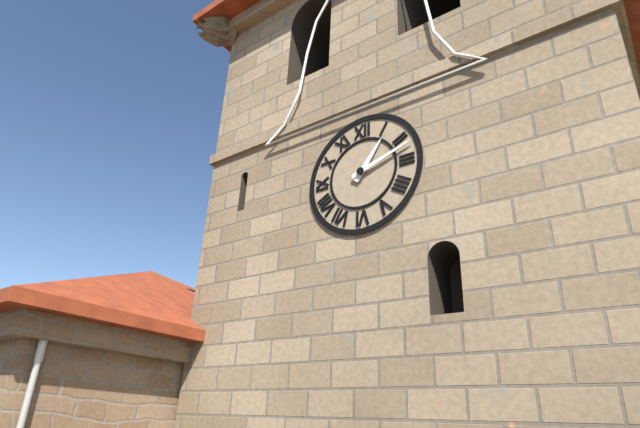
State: 1:12
